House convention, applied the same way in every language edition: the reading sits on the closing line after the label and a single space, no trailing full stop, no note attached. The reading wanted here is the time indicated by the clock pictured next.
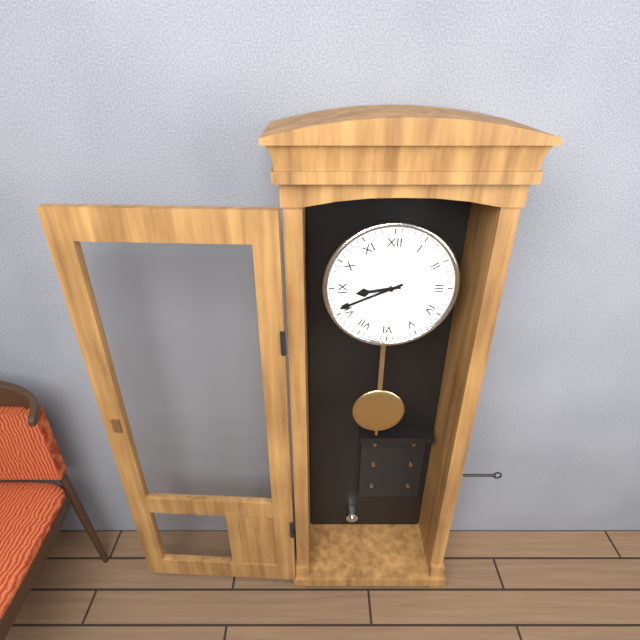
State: 8:41
